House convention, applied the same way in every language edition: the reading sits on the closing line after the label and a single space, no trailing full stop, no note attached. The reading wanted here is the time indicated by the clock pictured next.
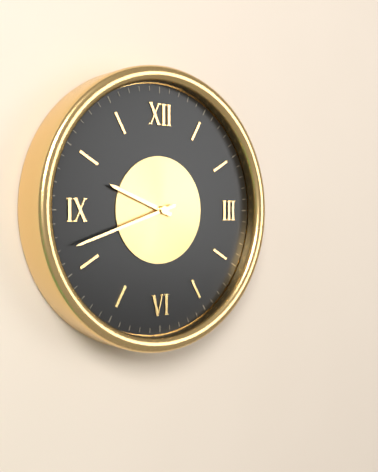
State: 9:42
